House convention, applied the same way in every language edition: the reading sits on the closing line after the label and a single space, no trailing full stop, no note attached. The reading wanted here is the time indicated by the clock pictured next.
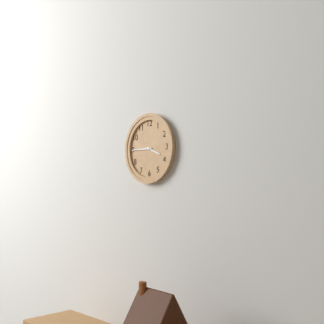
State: 3:45
